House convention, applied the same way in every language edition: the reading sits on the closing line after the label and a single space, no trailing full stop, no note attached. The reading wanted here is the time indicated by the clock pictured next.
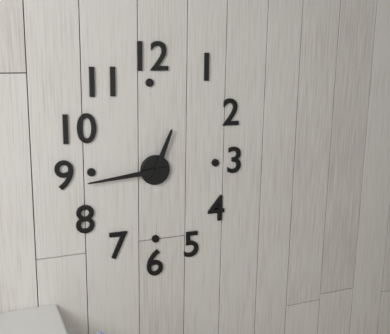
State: 12:44
